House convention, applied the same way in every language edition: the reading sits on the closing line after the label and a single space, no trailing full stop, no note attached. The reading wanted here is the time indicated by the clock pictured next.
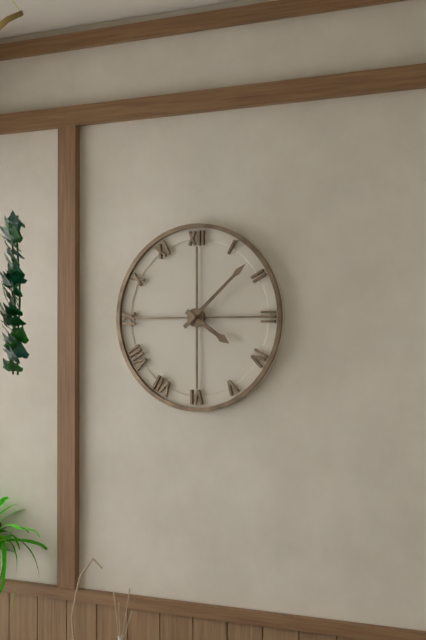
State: 4:08
